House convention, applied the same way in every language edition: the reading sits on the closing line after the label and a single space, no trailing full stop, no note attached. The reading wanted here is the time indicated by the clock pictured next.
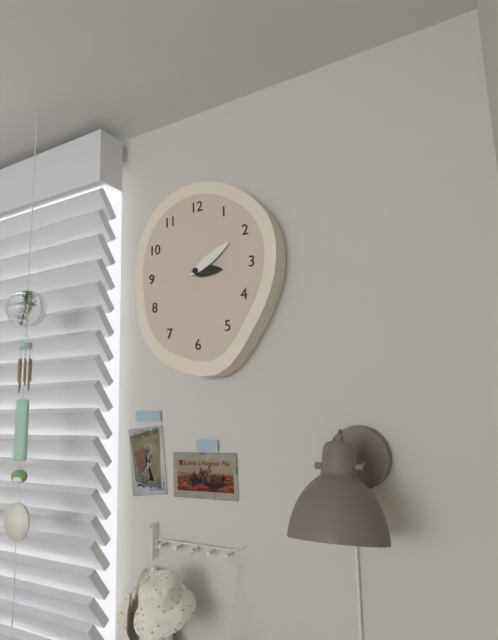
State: 3:10
